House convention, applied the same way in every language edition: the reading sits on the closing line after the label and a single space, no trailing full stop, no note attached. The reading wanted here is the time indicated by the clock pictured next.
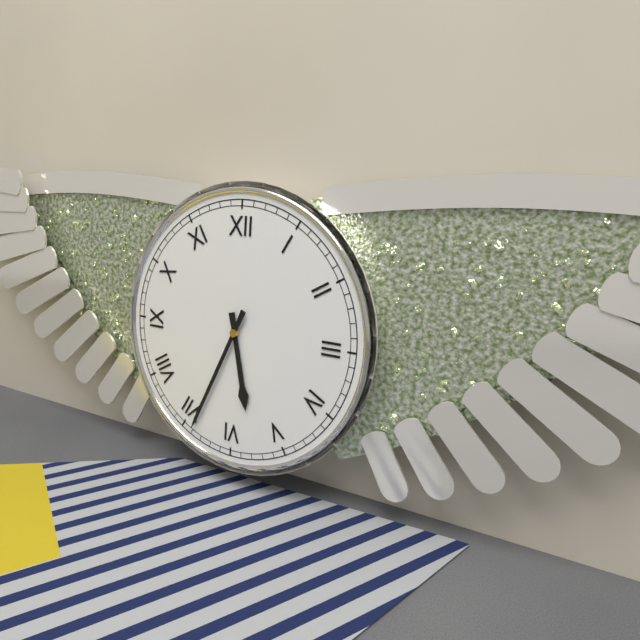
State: 5:34
